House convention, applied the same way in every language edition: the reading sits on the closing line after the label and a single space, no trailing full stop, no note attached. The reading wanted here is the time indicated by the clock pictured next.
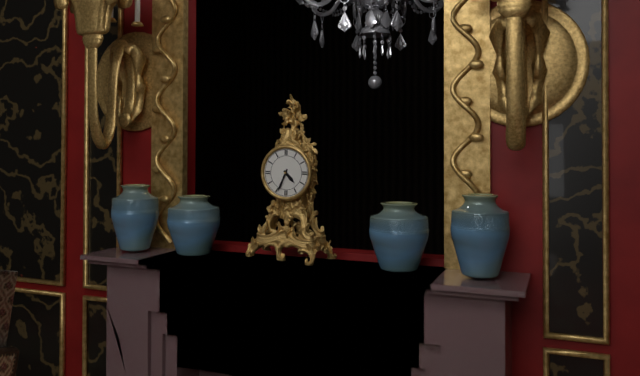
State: 4:34
